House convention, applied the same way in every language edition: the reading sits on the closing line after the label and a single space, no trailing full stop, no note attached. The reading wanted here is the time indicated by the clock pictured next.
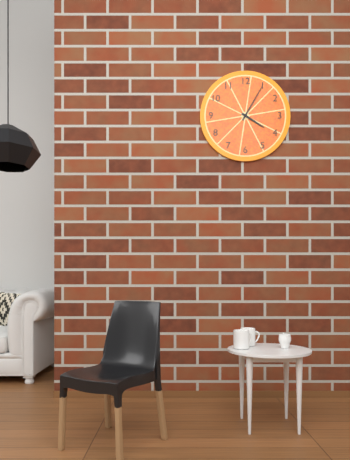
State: 4:05
